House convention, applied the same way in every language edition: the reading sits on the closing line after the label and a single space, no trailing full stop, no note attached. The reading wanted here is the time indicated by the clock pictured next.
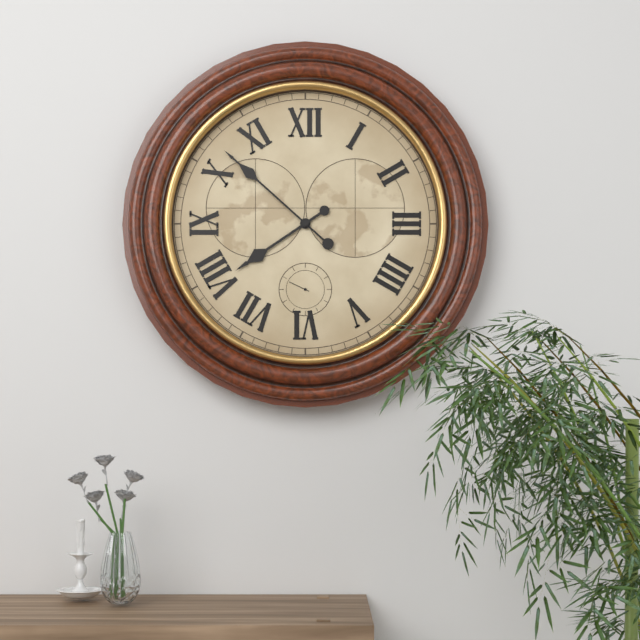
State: 7:52
